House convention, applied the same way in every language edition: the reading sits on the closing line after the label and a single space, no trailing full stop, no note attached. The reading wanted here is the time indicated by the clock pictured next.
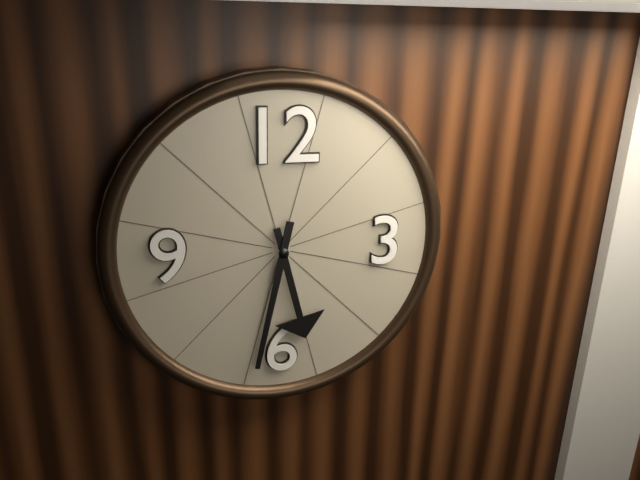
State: 5:32
